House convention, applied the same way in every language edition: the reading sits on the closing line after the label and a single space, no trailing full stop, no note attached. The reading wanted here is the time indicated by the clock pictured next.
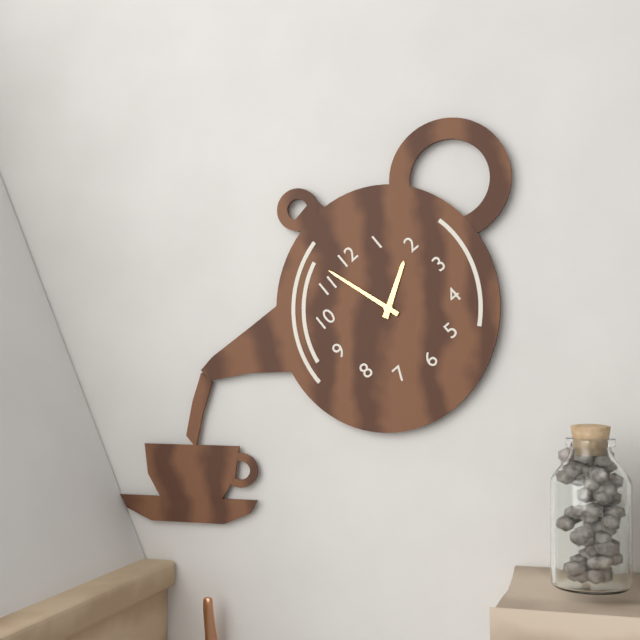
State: 1:57
